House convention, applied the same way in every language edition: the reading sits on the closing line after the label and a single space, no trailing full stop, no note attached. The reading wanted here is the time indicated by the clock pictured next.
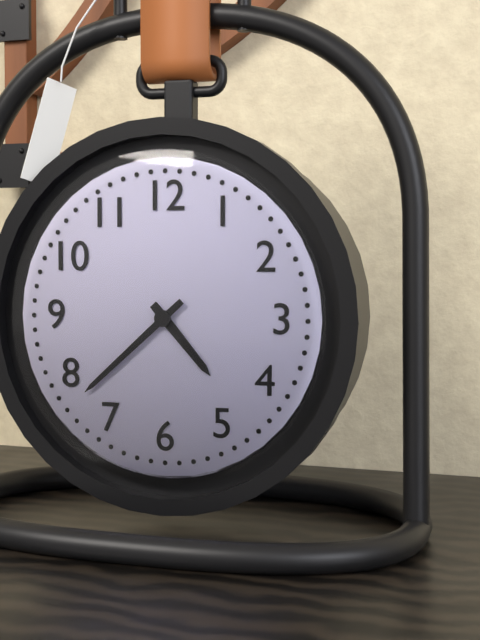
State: 4:38
